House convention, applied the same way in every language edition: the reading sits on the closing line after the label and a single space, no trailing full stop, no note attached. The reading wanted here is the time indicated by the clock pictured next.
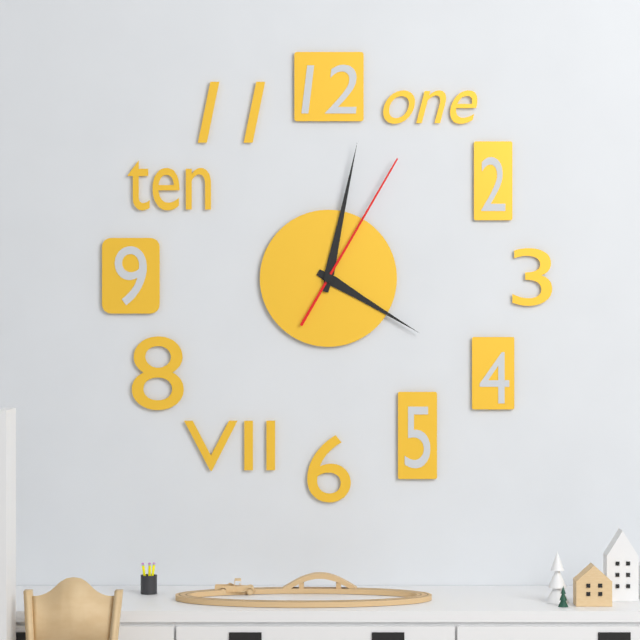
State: 4:02:05
